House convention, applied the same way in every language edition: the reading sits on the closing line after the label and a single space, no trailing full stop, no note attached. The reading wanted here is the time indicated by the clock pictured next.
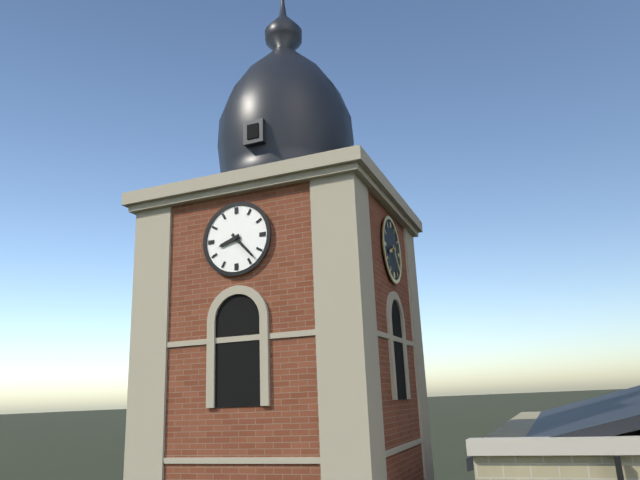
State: 8:23
